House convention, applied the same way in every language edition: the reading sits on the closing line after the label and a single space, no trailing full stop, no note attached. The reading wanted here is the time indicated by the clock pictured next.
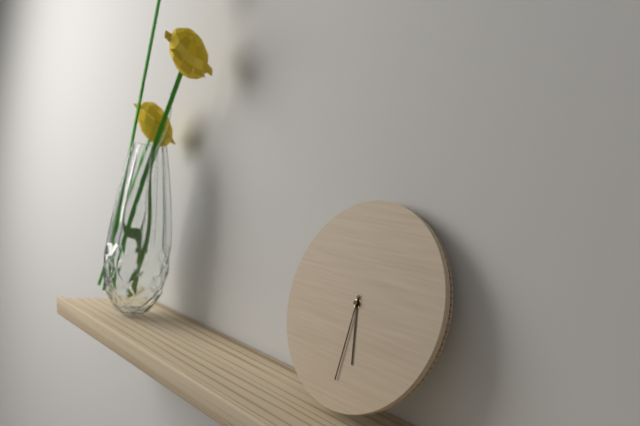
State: 5:30
